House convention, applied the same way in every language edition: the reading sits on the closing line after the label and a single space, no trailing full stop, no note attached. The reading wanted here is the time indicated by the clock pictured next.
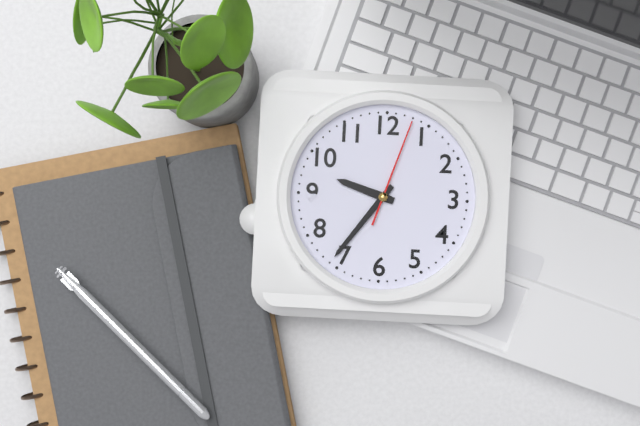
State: 9:36:03
